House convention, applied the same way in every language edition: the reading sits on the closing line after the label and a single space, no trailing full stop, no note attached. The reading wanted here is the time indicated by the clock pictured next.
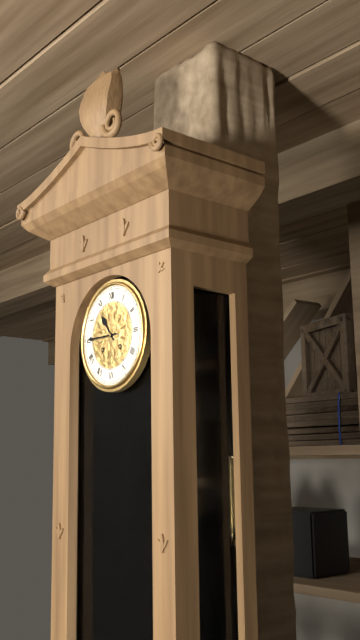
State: 10:45
